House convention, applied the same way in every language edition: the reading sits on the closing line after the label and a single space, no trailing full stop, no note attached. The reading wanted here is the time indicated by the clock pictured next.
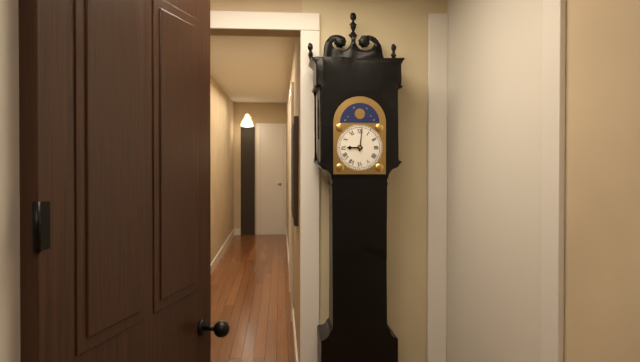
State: 9:01
